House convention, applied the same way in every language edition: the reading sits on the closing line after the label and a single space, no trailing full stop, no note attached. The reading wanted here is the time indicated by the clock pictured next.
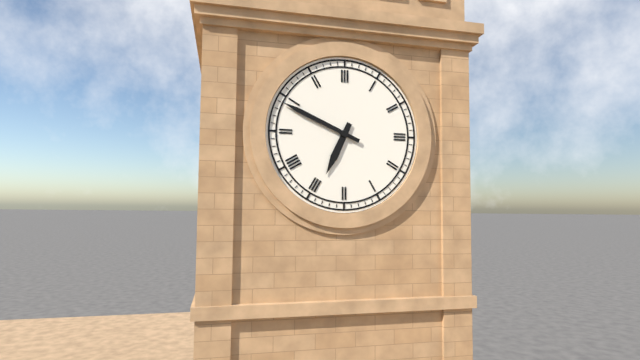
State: 6:49
